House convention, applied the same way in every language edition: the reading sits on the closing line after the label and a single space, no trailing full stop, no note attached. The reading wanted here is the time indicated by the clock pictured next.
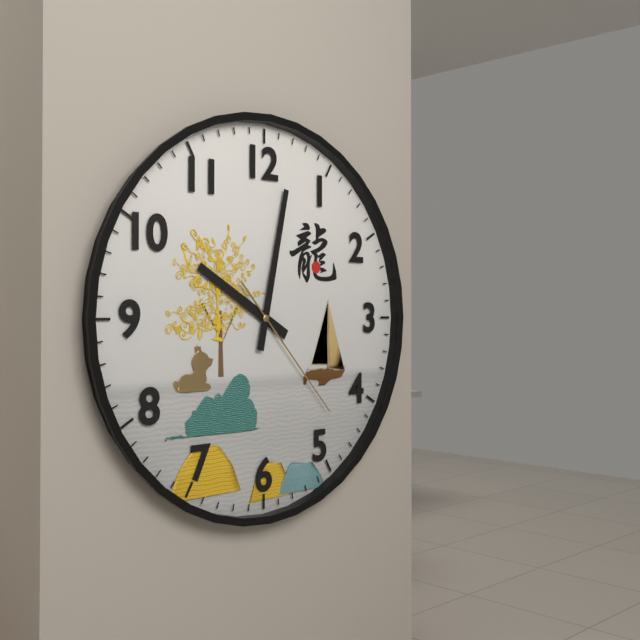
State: 10:02:23
